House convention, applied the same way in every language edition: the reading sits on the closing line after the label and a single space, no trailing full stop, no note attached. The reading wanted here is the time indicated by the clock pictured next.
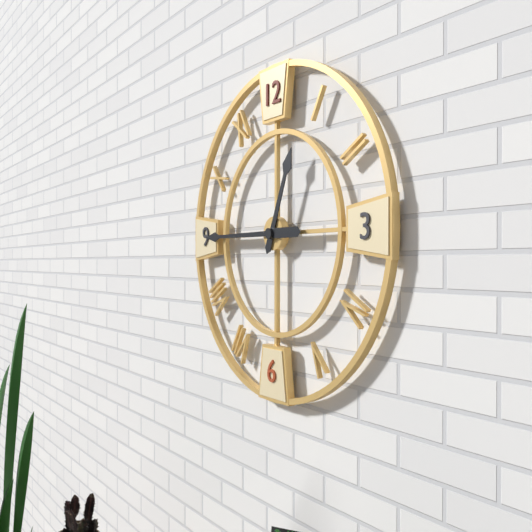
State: 12:45
